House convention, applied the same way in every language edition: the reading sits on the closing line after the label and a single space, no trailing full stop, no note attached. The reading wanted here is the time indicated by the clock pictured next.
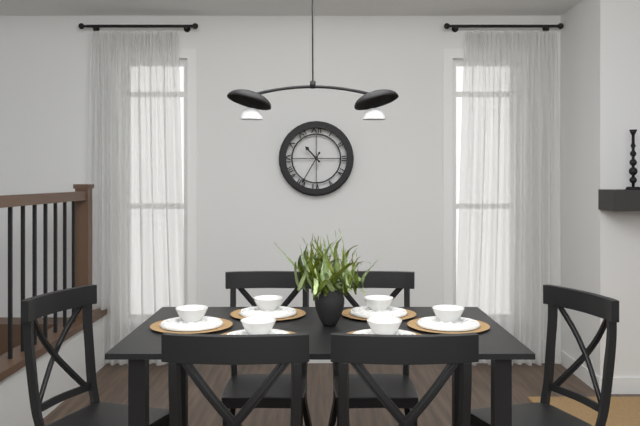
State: 10:35
